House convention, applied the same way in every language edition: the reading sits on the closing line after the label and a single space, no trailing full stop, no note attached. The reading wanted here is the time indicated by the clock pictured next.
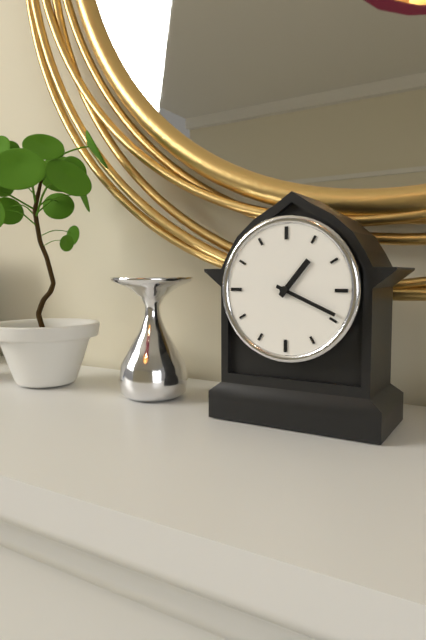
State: 1:19
